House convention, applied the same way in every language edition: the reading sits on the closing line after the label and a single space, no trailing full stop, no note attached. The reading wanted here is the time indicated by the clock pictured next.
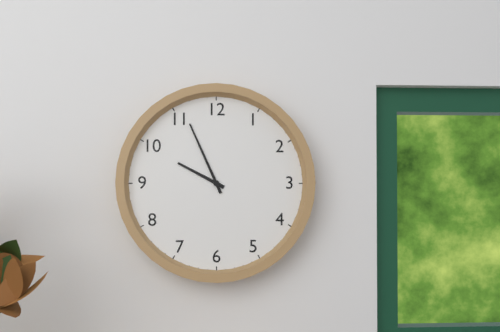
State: 9:56
